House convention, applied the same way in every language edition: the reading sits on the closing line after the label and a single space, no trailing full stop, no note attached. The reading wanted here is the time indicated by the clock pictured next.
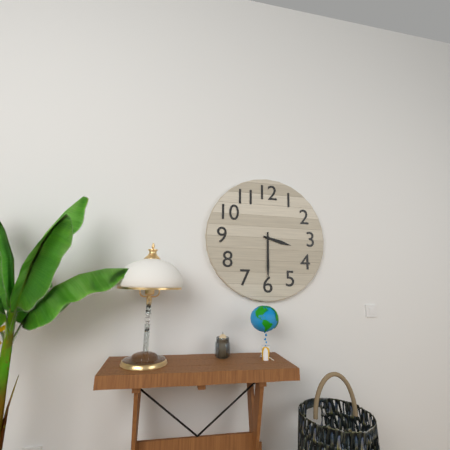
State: 3:30
